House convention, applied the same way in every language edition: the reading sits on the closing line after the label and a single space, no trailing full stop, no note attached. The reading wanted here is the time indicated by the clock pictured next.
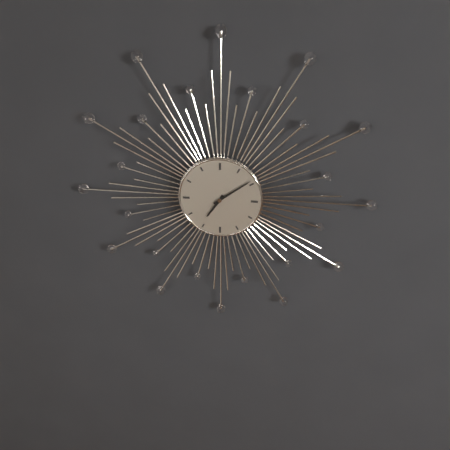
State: 7:09
